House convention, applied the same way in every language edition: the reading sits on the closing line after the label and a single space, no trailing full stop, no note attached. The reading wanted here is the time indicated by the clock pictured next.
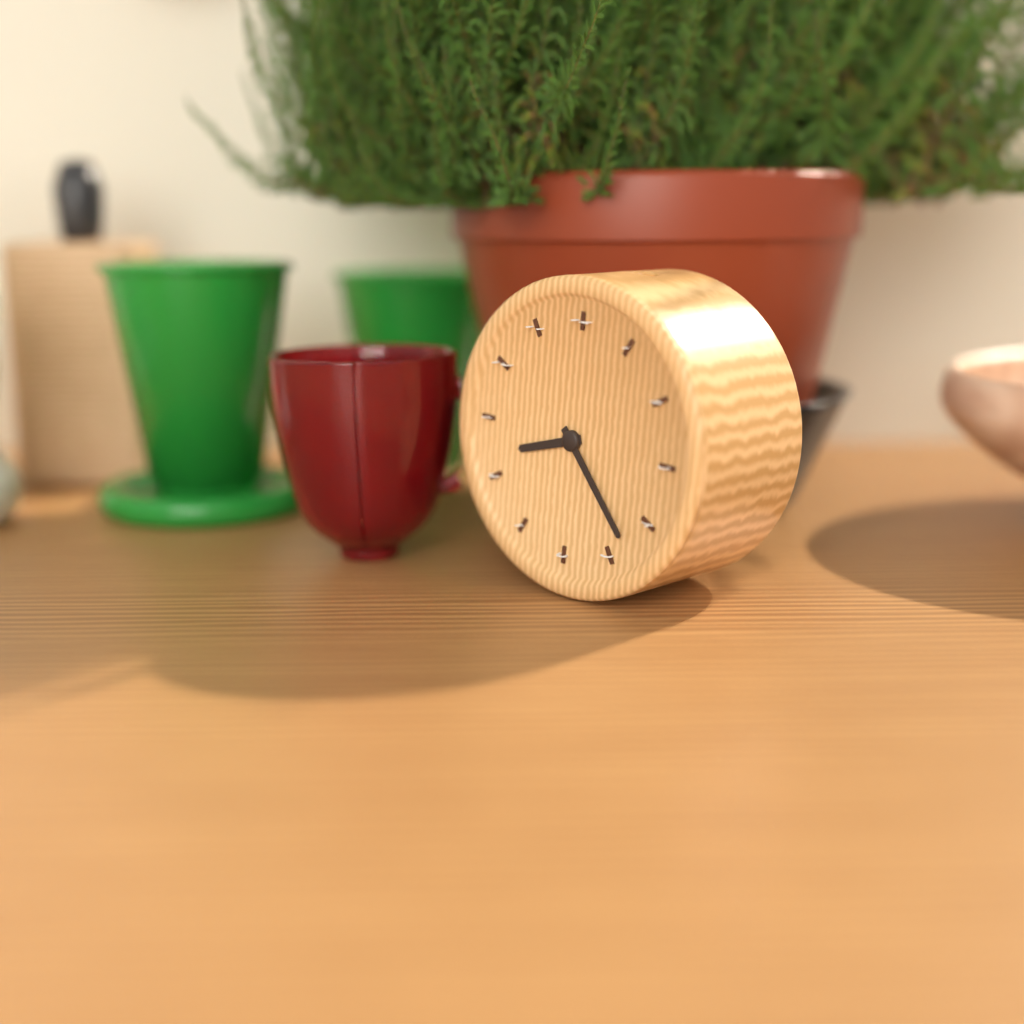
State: 8:23
